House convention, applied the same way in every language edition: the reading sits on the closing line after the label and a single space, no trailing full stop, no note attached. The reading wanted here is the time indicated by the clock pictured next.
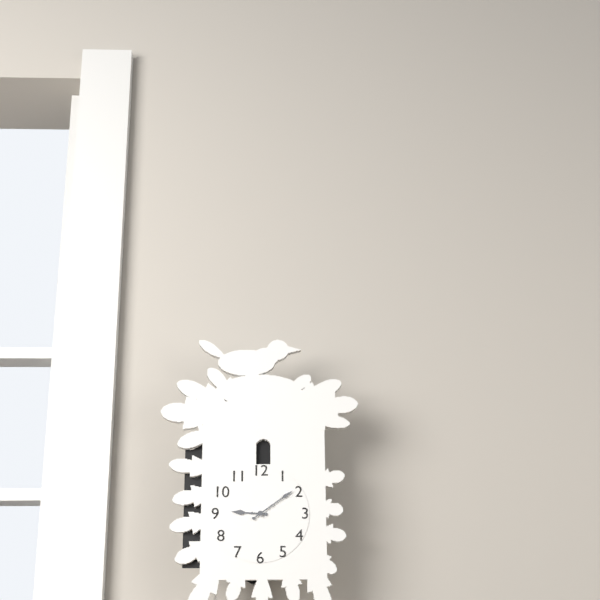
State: 9:09
